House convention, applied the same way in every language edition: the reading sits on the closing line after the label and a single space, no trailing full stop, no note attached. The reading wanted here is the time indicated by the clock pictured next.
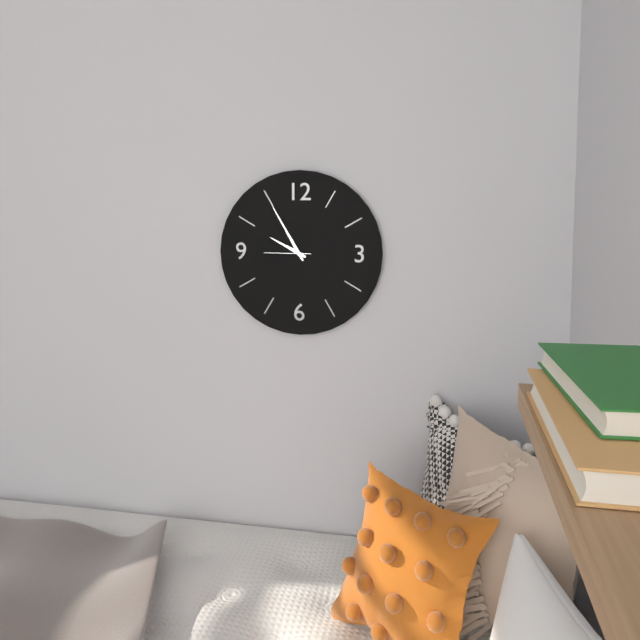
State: 9:55
